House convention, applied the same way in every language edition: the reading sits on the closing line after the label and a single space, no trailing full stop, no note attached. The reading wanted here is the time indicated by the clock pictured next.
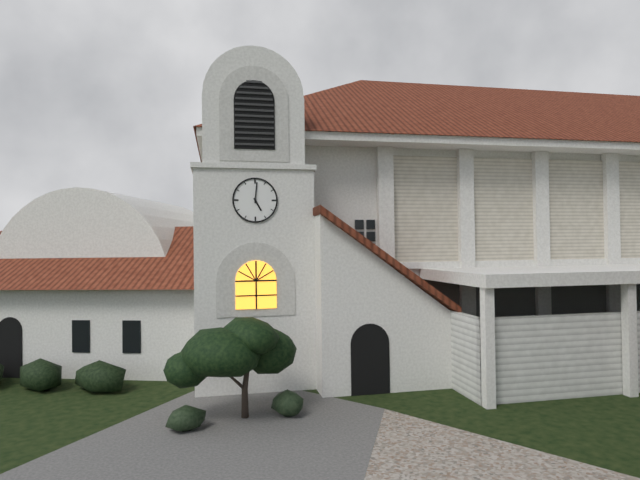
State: 5:01
